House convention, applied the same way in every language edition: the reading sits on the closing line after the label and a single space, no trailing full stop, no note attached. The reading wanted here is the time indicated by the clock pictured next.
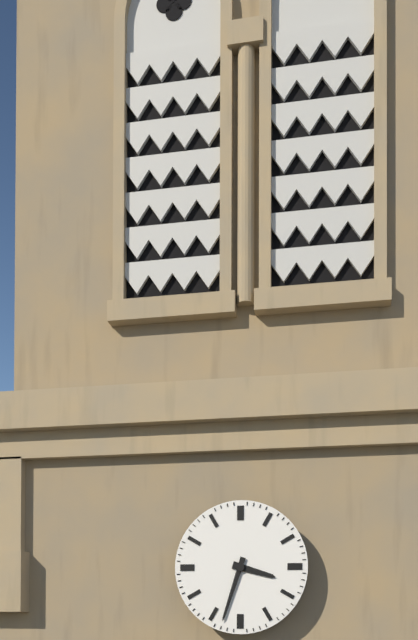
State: 3:33
